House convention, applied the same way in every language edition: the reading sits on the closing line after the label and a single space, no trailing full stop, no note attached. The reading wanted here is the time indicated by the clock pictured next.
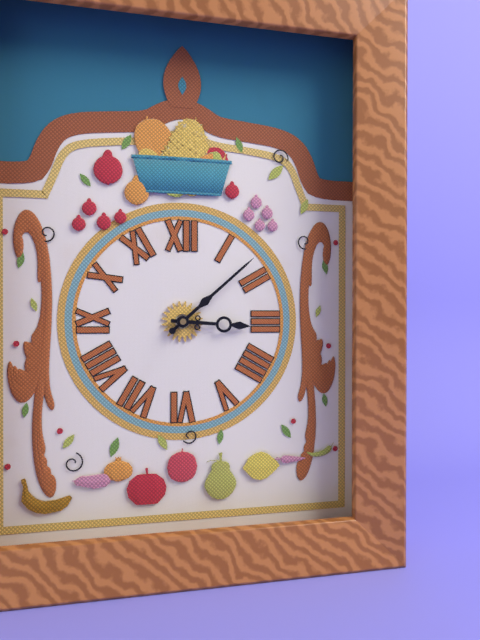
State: 3:08
